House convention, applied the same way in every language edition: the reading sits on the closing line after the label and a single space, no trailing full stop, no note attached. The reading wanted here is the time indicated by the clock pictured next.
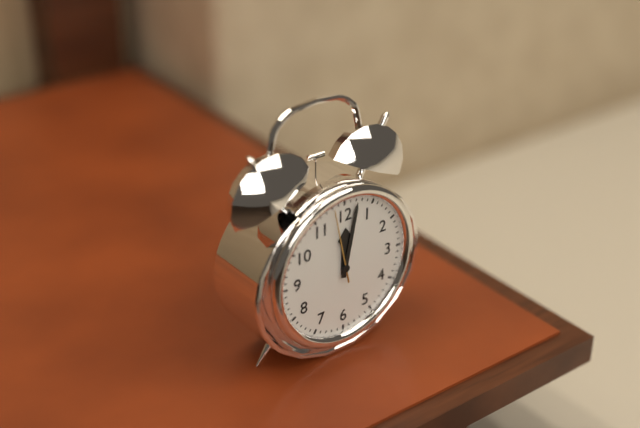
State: 12:02:58
